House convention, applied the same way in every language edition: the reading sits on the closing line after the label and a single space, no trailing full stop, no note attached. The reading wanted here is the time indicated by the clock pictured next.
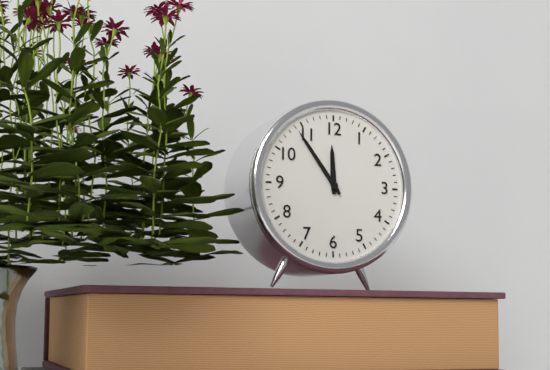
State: 11:54
